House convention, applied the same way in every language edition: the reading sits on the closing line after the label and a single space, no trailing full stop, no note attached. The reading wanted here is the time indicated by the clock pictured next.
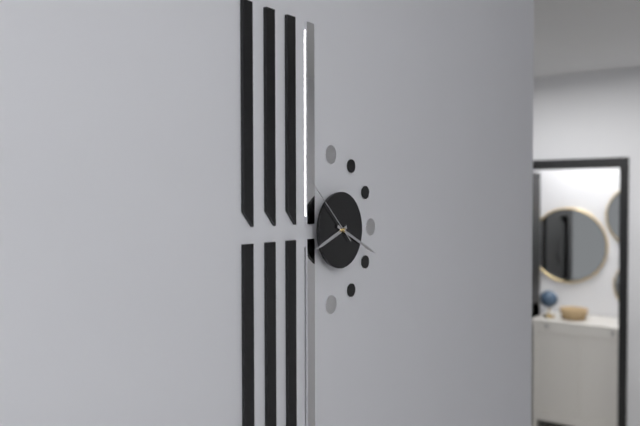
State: 8:19:52
